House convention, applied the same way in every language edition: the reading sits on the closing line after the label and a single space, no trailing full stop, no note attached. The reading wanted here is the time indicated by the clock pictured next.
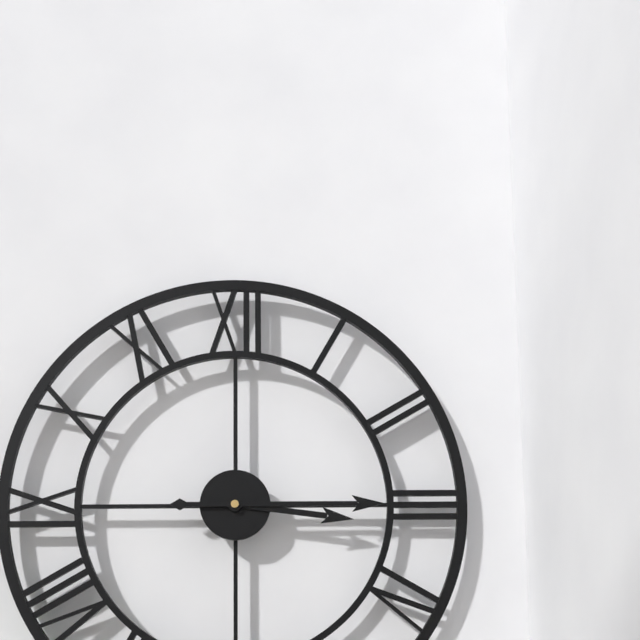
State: 3:15
